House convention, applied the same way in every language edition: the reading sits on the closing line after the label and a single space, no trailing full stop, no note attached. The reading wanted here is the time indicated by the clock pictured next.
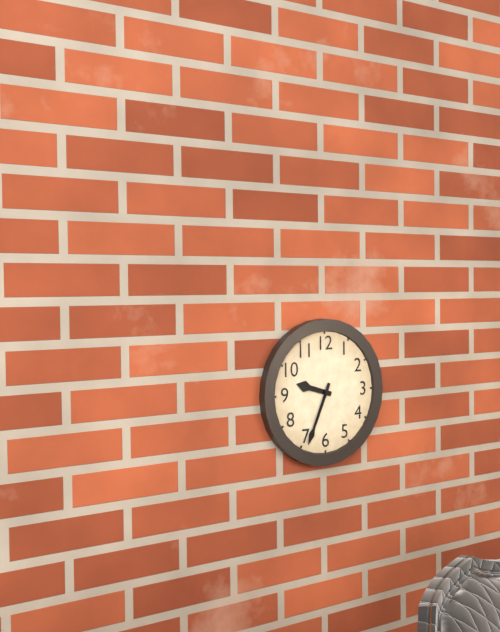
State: 9:34
